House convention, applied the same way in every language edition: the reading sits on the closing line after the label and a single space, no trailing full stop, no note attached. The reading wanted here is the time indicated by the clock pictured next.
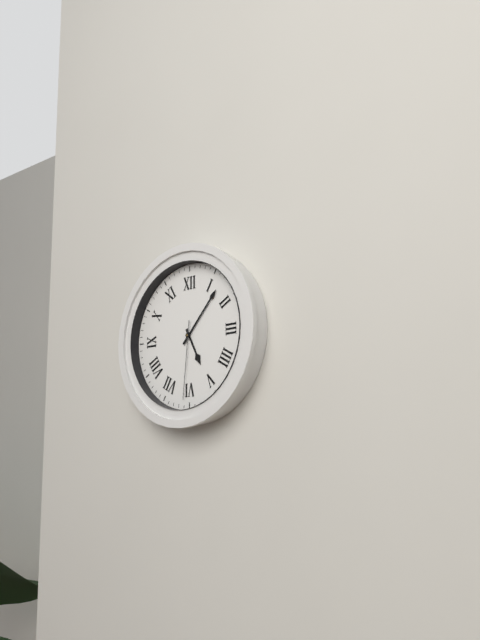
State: 5:07:31
